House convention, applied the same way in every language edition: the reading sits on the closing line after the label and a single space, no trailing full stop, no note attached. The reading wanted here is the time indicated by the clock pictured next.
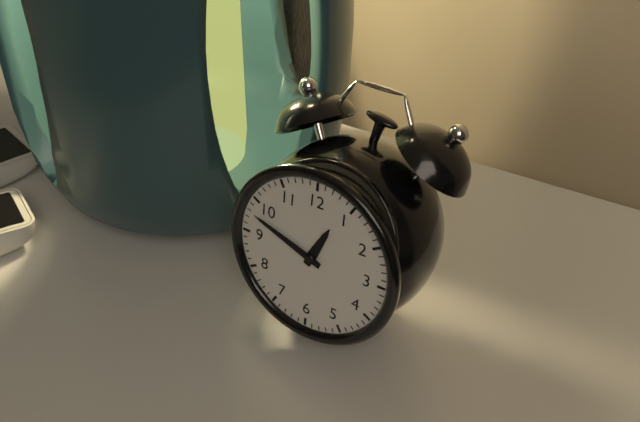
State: 12:48
